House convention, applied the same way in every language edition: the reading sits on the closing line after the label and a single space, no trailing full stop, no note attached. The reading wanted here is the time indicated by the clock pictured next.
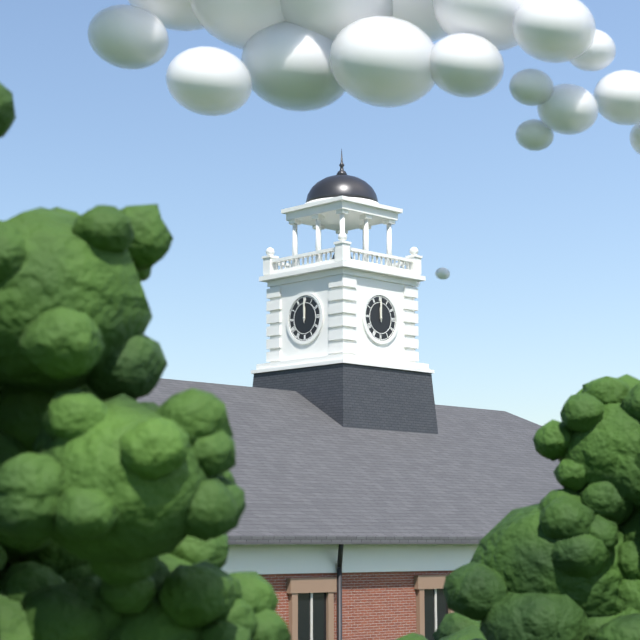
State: 12:00
